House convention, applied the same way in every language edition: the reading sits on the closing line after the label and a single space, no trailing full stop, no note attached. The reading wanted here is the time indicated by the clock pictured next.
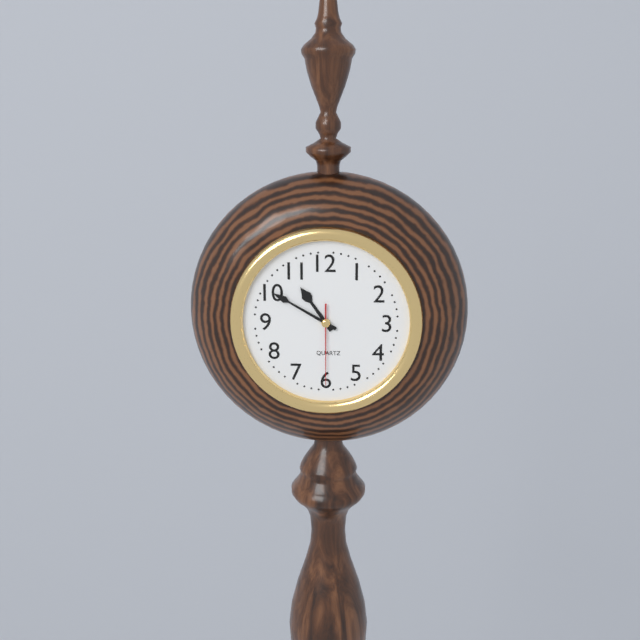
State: 10:50:30
